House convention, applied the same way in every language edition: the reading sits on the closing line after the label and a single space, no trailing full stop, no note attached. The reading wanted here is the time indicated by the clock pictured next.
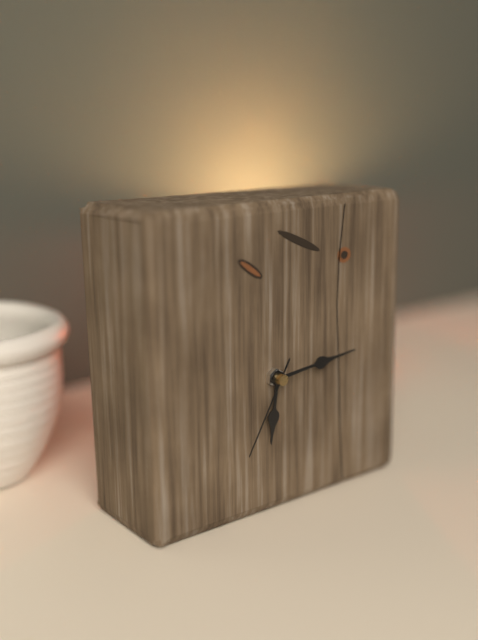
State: 6:14:35
